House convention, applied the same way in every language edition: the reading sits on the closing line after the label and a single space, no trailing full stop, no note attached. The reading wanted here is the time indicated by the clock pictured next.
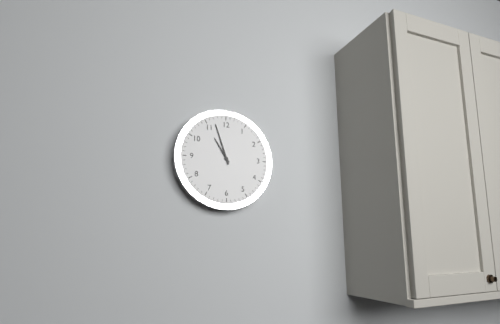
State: 10:57
